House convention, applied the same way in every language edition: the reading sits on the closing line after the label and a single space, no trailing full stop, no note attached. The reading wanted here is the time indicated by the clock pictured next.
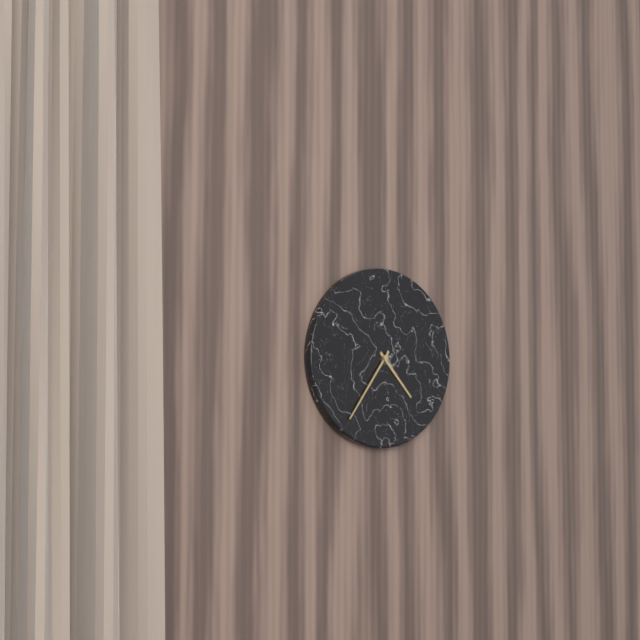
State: 4:36
